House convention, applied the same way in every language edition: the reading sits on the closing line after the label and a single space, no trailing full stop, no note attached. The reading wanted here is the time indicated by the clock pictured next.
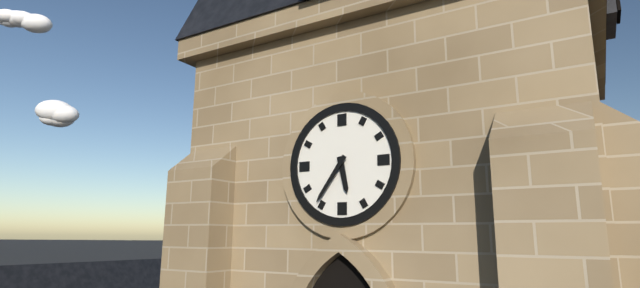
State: 5:36
